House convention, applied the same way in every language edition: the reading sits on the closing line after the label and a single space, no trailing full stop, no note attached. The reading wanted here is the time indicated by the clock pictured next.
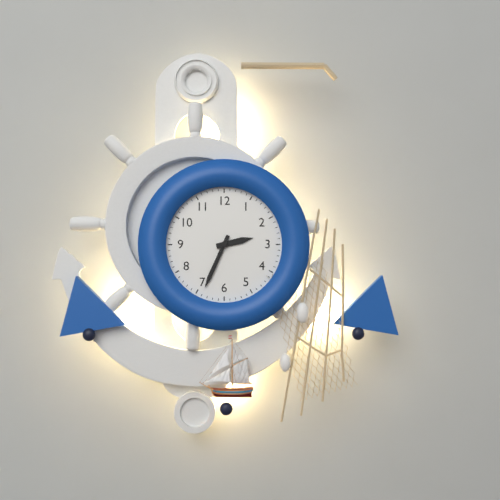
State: 2:34
